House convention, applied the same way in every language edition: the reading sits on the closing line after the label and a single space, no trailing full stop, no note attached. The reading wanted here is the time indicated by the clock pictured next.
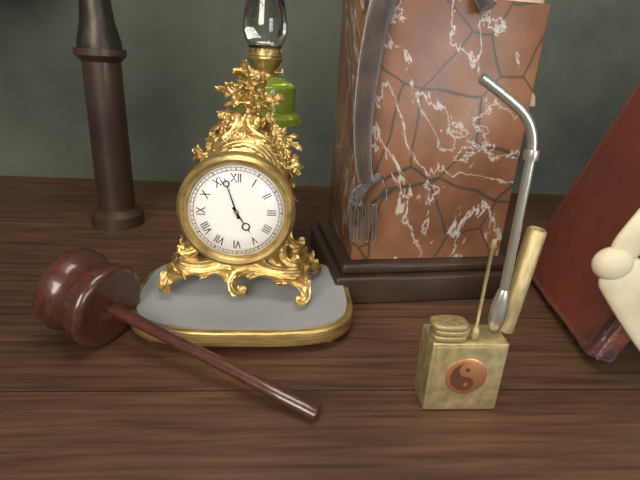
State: 4:57
